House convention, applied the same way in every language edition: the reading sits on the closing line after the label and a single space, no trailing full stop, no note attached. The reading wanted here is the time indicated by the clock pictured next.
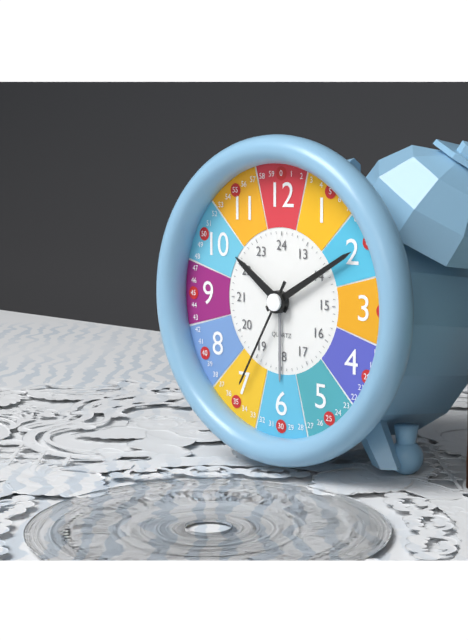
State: 10:10:35
